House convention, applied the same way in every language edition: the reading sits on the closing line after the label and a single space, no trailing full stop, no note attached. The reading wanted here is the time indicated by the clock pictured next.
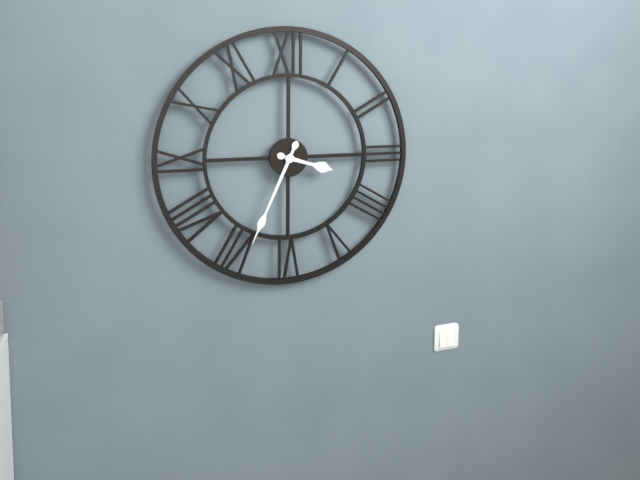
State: 3:34
